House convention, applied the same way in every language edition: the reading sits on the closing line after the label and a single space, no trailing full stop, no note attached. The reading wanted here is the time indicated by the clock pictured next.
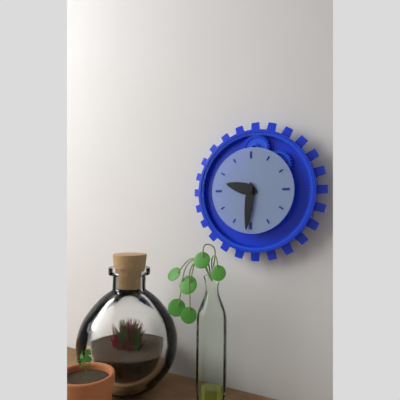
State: 9:31
